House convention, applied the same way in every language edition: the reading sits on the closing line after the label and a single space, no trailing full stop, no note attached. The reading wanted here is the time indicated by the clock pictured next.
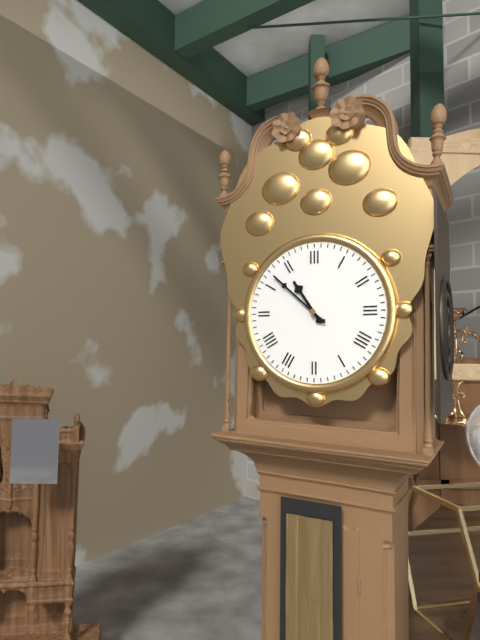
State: 10:52
